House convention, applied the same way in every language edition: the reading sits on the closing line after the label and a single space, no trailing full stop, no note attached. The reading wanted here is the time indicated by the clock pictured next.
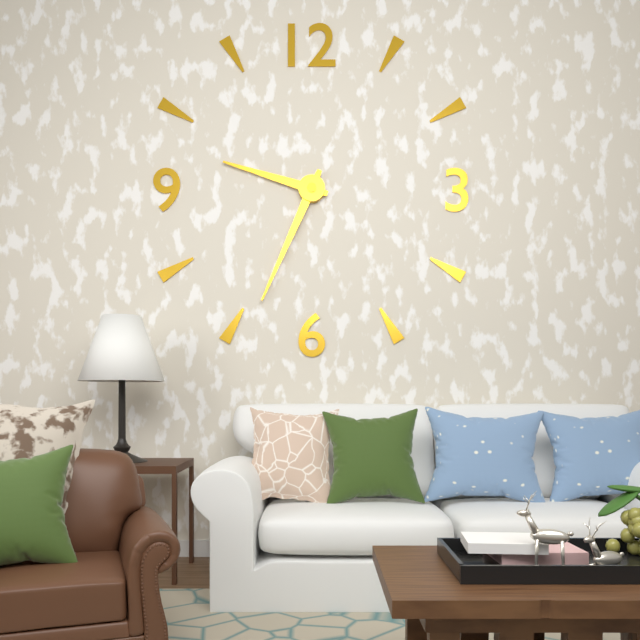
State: 9:34
